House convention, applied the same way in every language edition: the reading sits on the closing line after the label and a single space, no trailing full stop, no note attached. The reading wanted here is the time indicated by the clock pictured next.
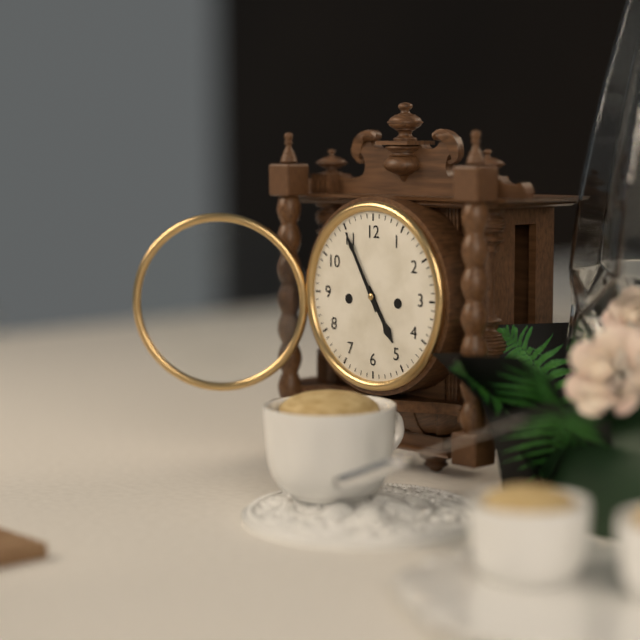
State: 4:55
